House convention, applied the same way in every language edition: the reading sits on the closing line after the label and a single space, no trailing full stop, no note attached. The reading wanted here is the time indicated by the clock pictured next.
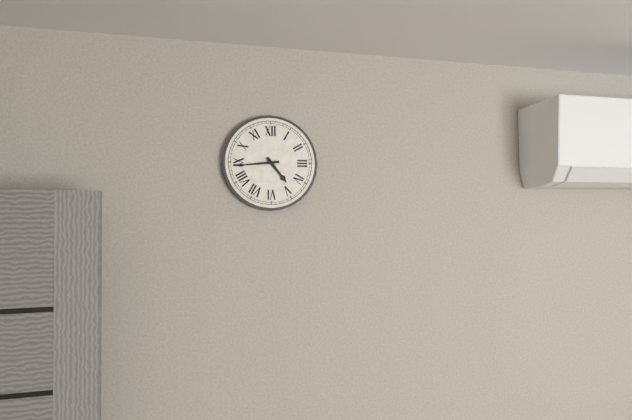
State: 4:44
